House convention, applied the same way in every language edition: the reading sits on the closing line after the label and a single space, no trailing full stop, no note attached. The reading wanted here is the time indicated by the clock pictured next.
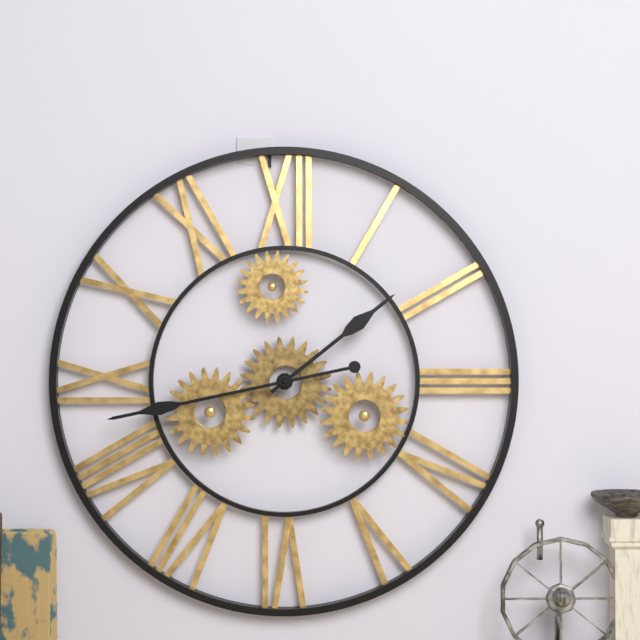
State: 1:43
